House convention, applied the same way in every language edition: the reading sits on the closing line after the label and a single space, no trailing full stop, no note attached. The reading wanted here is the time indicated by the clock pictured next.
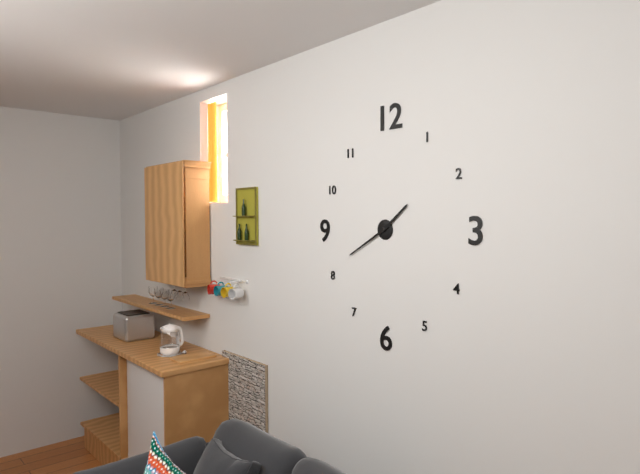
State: 1:40
